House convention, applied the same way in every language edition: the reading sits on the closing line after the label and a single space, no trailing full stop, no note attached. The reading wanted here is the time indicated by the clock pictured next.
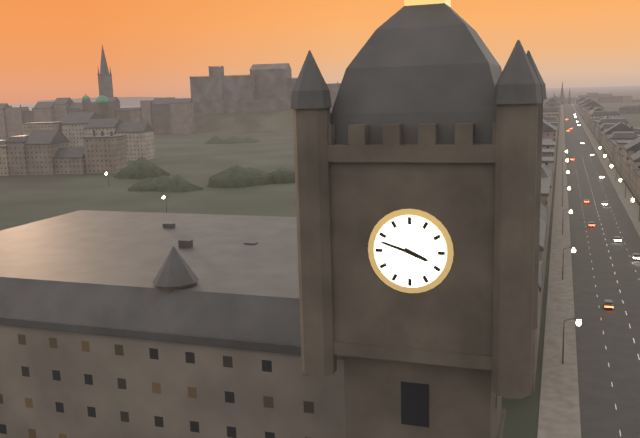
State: 3:48
